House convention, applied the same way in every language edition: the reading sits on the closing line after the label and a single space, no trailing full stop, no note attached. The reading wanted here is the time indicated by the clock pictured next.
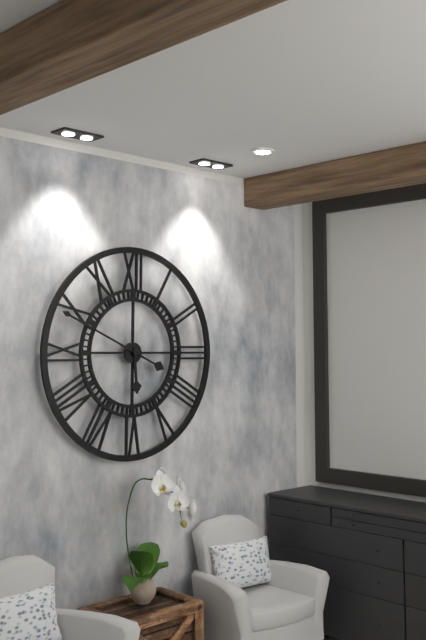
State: 5:49
